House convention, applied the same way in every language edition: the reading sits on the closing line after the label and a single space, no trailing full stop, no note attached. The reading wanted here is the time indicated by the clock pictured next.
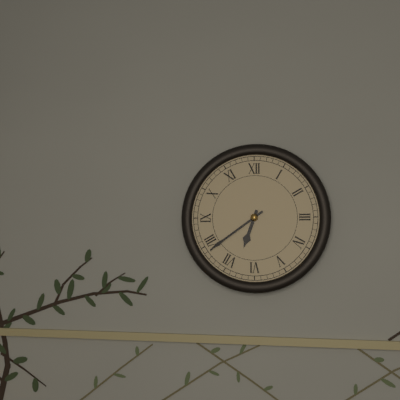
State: 6:39
